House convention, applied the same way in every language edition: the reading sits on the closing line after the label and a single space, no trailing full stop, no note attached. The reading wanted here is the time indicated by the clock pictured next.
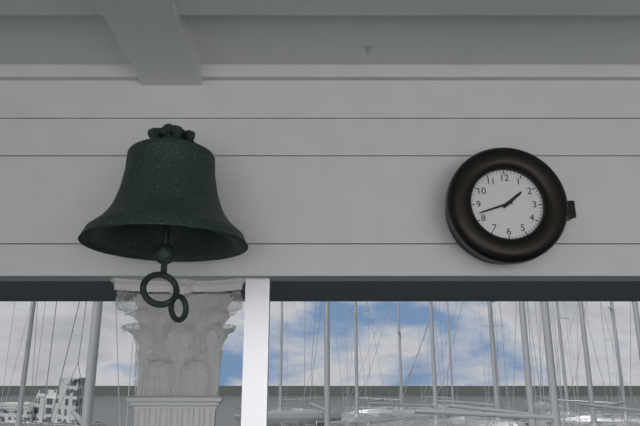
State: 1:42
